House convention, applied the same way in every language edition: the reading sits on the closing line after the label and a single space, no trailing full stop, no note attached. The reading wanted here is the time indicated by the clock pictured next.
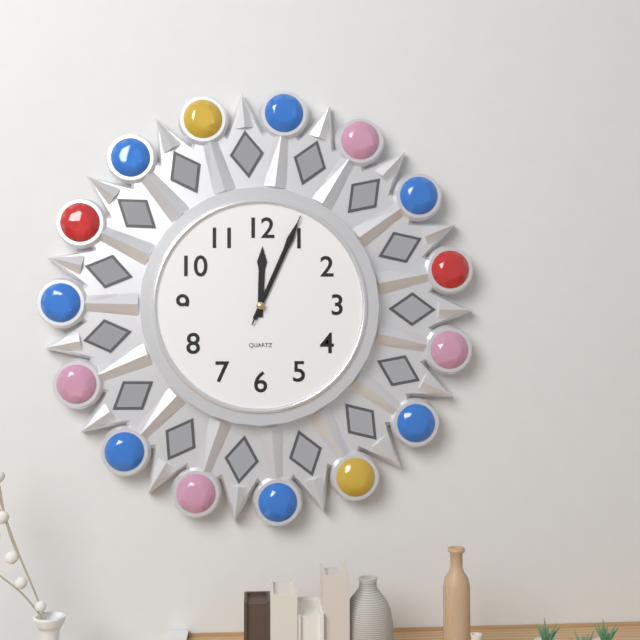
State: 12:04:04
